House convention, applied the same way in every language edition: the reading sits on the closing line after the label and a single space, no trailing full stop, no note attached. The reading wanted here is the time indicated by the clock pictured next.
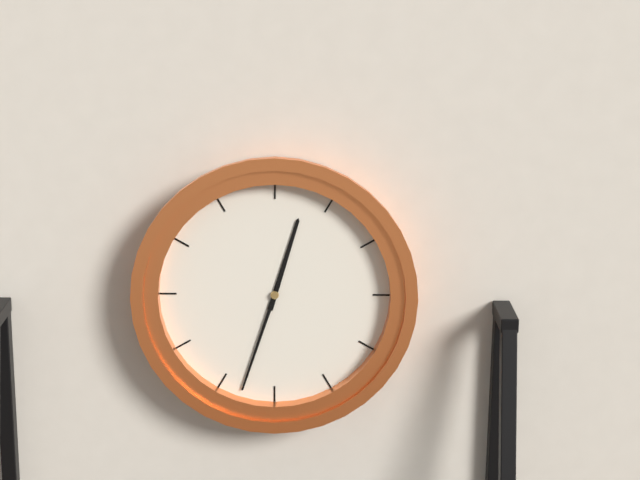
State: 12:33
